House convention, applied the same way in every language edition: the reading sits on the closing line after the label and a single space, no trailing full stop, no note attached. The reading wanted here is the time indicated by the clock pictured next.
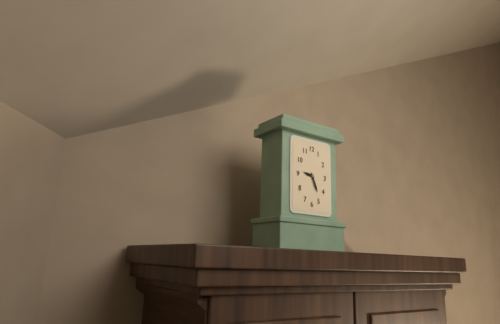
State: 9:26
